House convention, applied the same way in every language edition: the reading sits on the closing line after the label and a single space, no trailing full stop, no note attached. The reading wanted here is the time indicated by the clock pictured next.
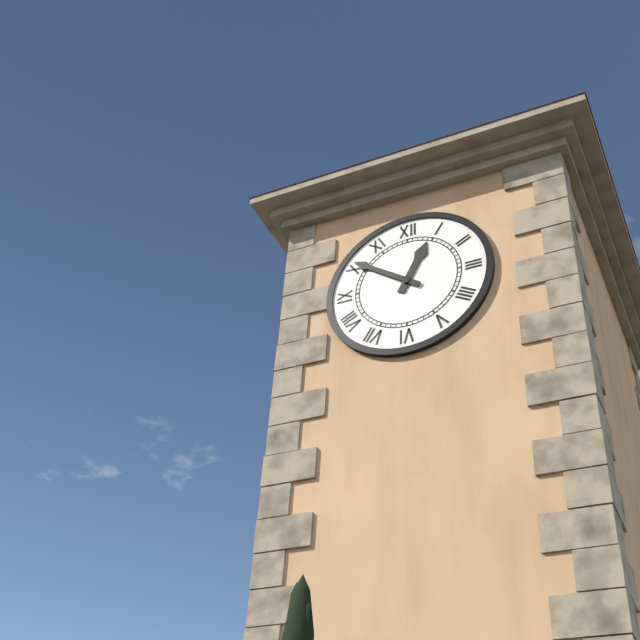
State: 12:51
